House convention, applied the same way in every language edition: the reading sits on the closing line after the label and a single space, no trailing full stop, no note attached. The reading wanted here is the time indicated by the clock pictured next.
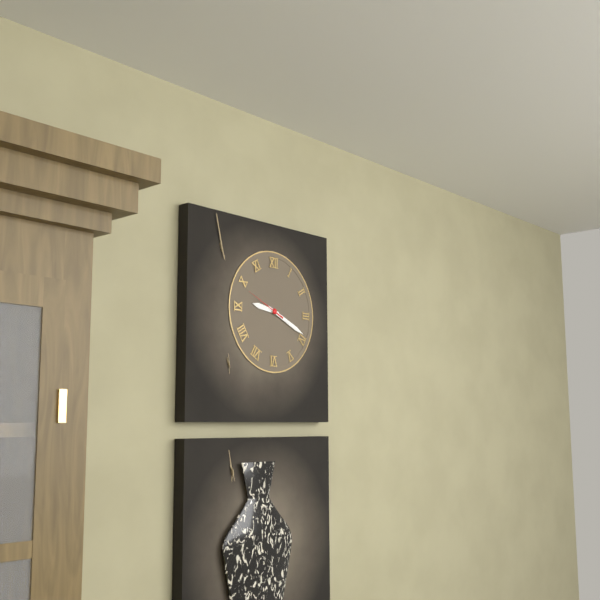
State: 9:19
